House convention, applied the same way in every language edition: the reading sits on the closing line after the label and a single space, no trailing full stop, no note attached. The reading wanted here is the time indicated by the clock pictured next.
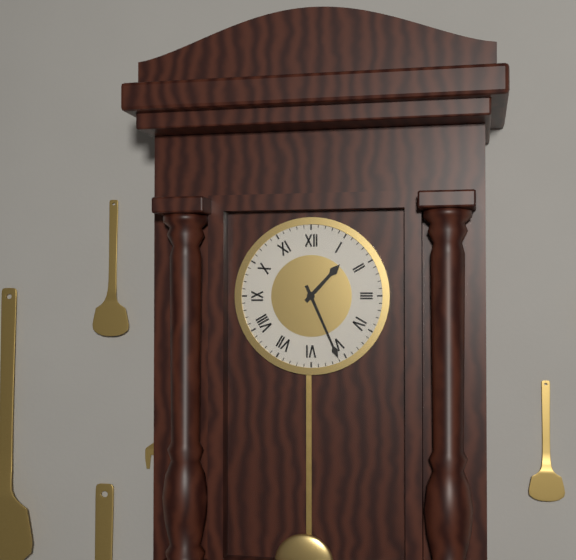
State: 1:26
